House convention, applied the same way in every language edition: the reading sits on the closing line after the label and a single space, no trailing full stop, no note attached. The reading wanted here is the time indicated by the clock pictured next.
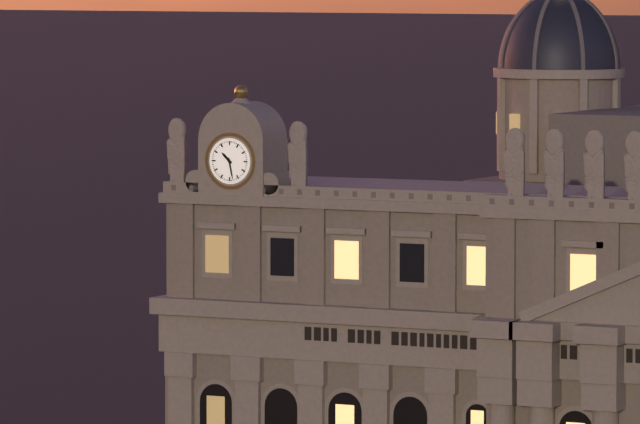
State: 10:28
